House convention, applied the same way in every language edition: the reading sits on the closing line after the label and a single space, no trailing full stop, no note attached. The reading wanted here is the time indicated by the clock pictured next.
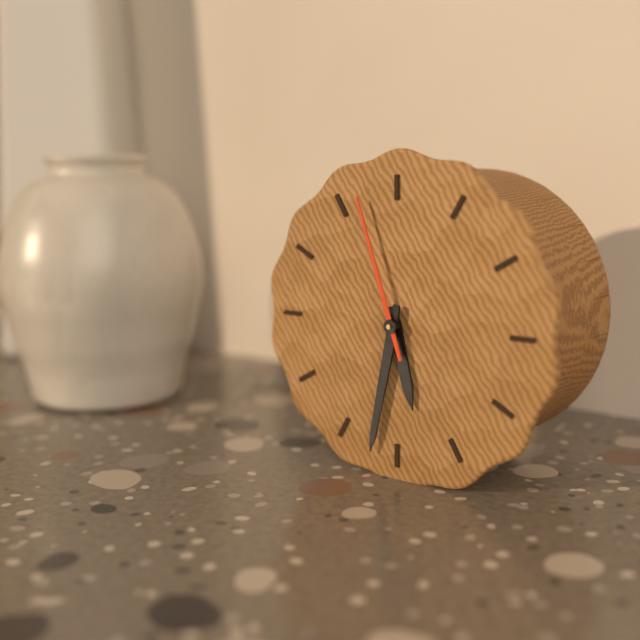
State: 5:32:57
